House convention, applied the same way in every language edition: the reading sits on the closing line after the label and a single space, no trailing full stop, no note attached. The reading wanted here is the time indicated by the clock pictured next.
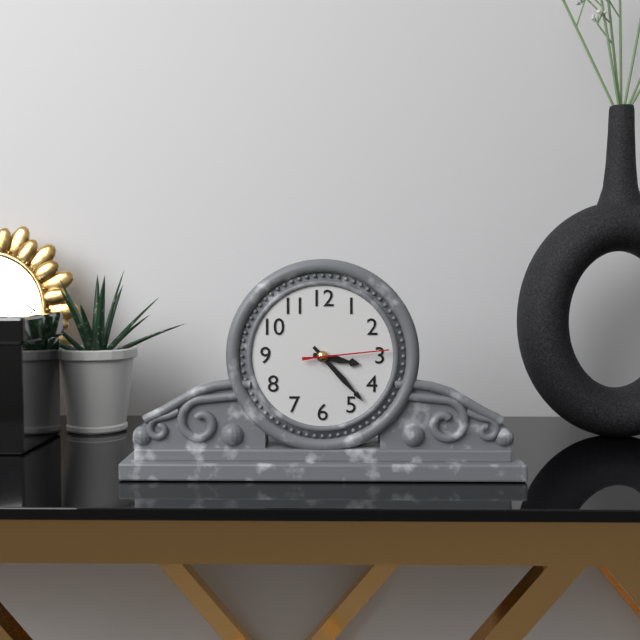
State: 3:23:14
